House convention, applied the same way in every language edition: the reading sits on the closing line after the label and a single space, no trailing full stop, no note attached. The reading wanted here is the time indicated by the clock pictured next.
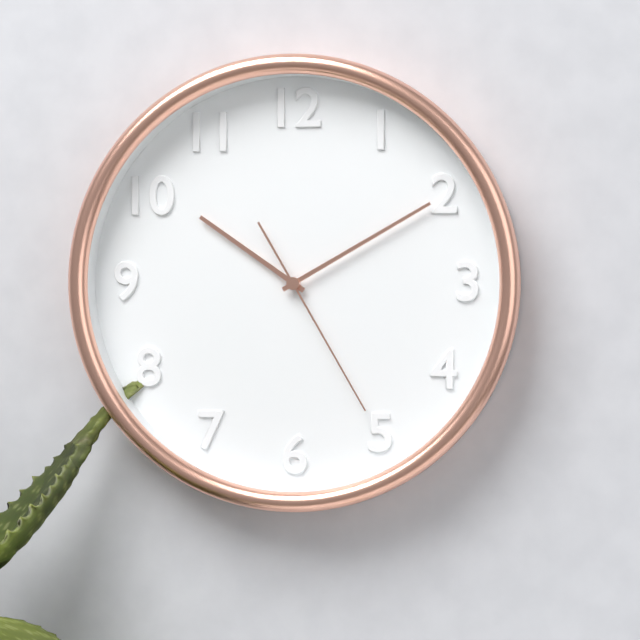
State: 10:10:25
